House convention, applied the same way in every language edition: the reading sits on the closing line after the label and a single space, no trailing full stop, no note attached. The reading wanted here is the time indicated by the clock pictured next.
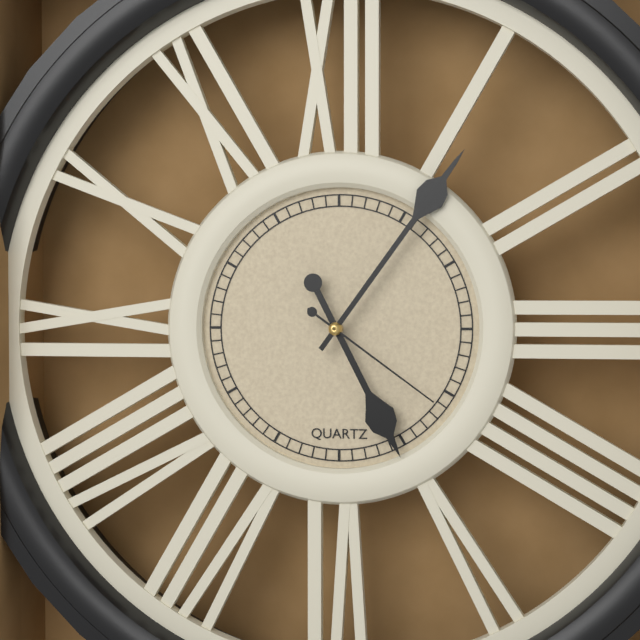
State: 5:06:21
